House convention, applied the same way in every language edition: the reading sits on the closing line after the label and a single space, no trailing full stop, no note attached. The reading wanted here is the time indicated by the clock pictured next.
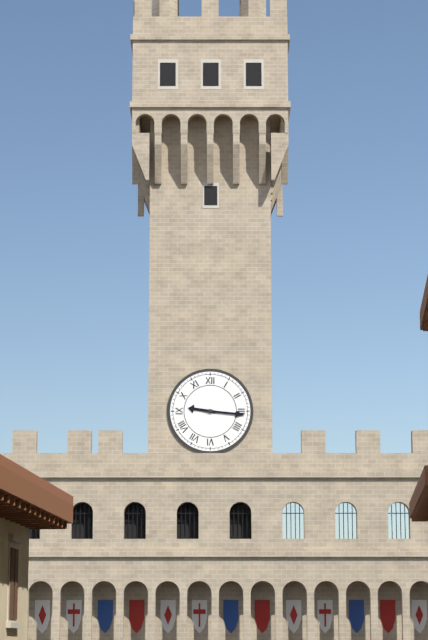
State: 9:16
